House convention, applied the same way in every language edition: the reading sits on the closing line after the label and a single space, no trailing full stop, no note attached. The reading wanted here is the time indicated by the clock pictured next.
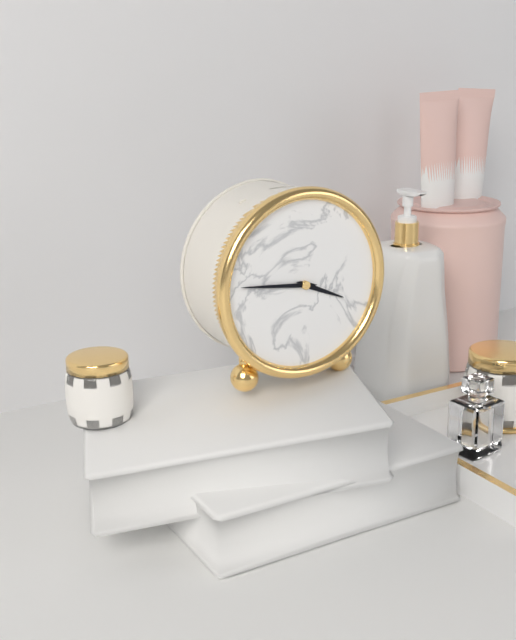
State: 3:46
